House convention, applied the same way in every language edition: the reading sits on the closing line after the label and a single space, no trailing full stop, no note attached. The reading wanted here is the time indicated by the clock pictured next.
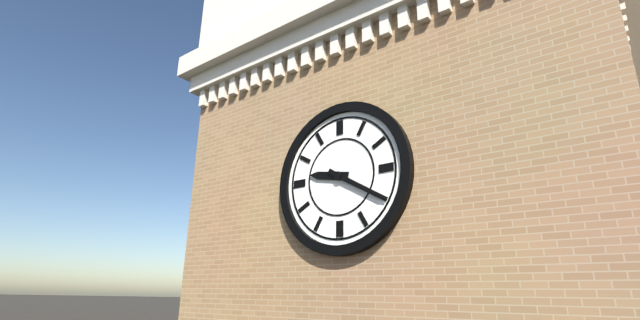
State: 9:20
